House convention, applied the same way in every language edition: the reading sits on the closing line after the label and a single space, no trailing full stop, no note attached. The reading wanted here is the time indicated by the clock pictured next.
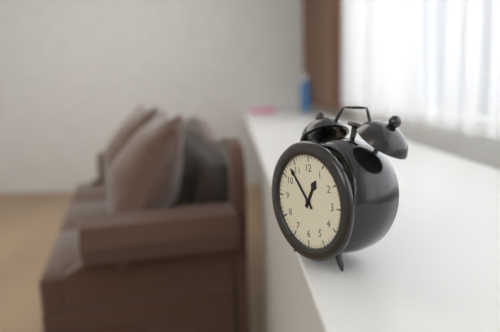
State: 12:53
